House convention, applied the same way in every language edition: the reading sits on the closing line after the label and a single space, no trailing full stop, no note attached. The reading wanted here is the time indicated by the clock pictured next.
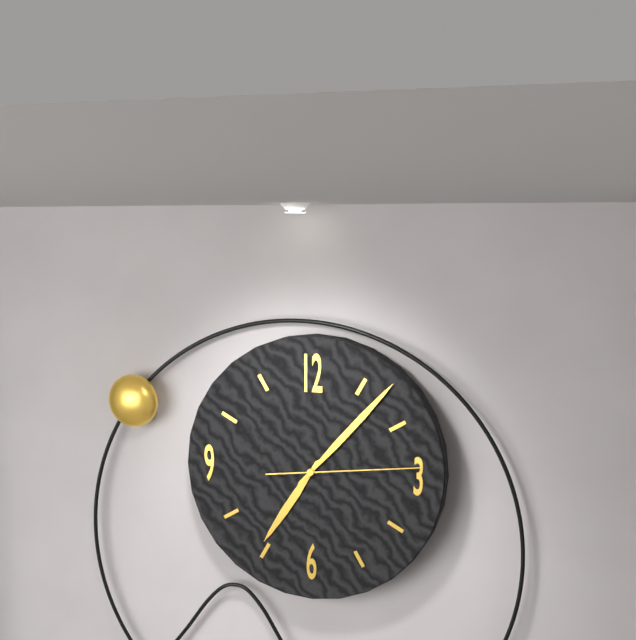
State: 7:07:14
